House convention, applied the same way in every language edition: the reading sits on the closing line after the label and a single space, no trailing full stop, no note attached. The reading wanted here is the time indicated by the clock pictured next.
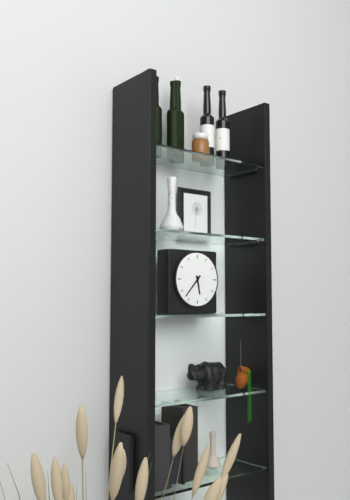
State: 5:37
